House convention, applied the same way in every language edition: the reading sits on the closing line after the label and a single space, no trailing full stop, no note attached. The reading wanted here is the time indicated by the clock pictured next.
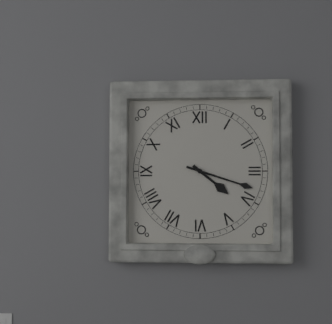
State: 4:18
